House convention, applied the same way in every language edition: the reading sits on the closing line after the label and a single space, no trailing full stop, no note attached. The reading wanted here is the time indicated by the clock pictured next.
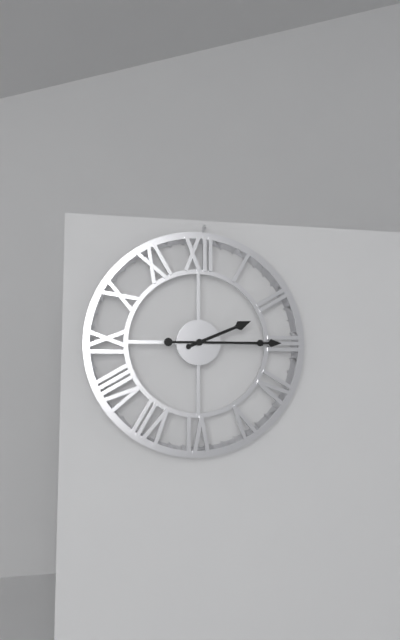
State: 2:15
